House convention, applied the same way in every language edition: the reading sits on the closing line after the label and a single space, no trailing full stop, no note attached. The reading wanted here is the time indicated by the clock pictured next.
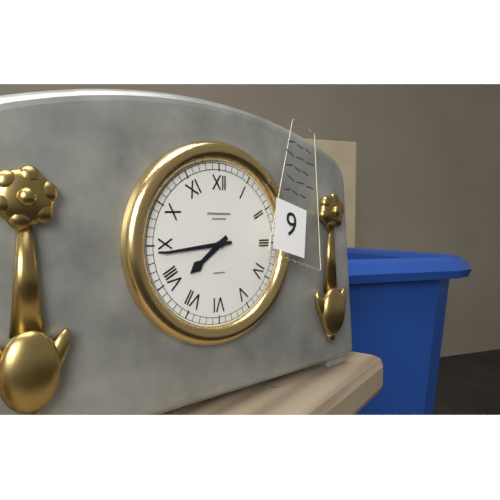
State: 7:44
